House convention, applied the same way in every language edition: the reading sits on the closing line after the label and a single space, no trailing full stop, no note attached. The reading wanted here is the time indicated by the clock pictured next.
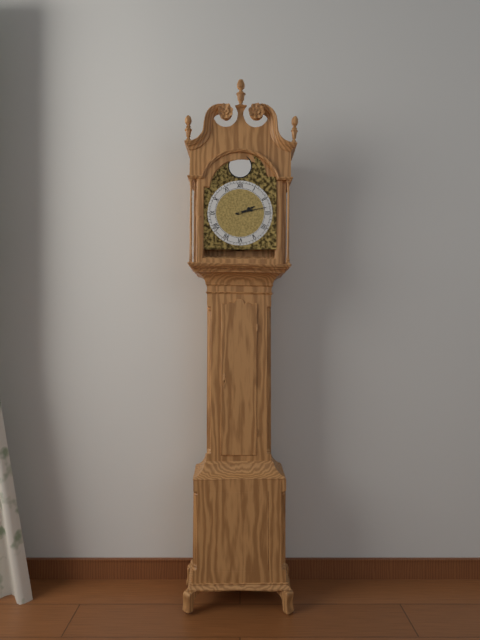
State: 2:13
